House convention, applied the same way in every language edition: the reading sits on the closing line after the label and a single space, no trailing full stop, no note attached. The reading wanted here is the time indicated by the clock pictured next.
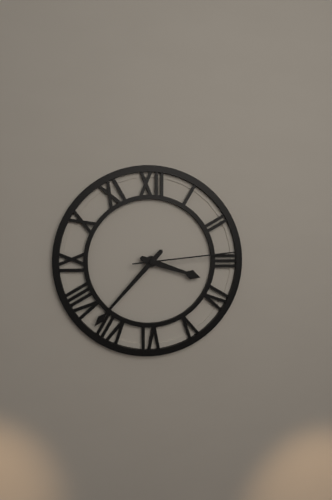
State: 3:37:14
